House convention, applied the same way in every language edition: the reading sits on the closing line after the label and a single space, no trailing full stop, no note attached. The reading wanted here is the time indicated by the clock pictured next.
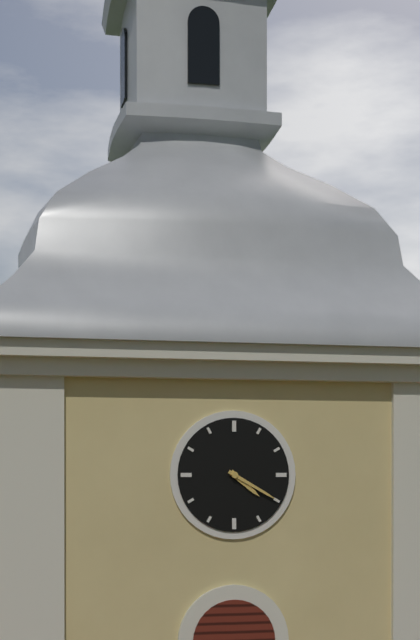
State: 4:20
